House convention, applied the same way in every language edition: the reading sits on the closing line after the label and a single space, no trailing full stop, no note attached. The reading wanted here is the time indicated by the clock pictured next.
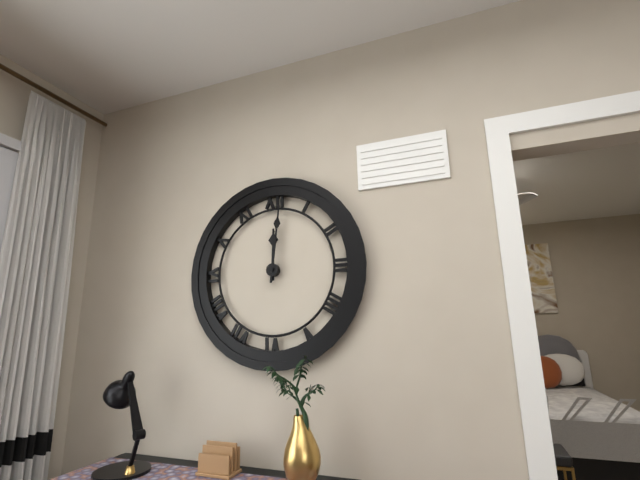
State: 12:01
